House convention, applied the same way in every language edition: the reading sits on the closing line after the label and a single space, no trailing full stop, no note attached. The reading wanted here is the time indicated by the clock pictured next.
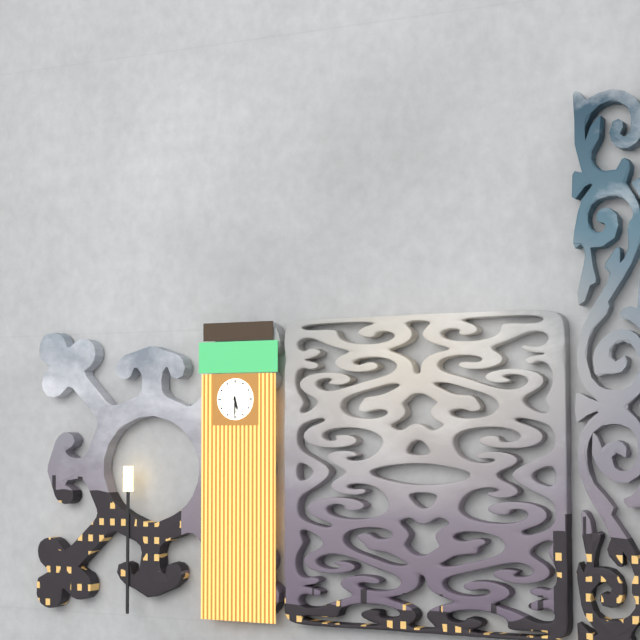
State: 5:30
